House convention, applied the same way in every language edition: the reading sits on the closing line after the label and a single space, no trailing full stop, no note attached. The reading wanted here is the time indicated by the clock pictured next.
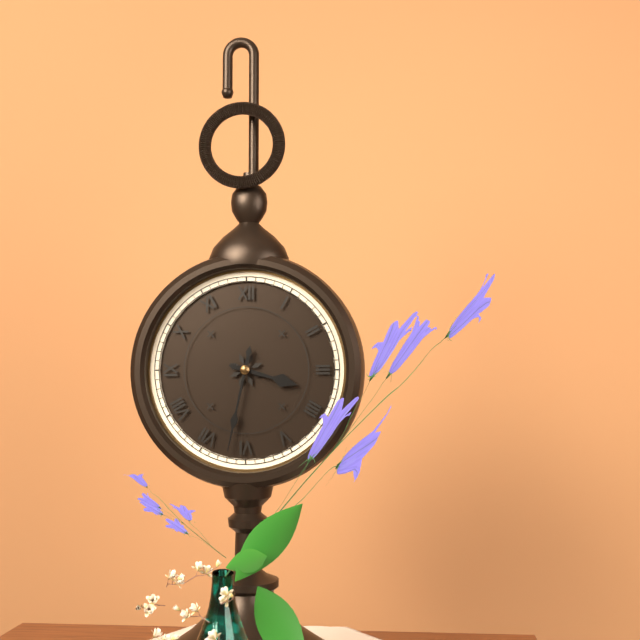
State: 3:32
